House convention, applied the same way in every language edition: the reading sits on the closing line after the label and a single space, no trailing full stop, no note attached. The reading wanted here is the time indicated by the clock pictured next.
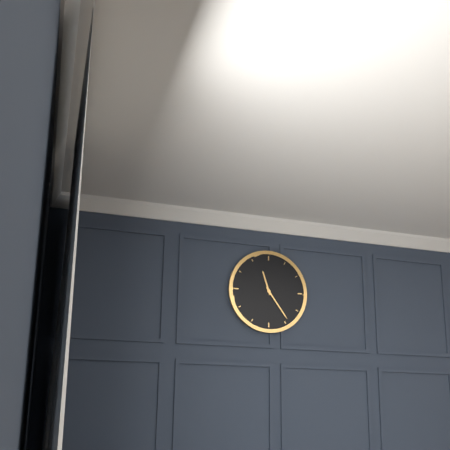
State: 11:24
